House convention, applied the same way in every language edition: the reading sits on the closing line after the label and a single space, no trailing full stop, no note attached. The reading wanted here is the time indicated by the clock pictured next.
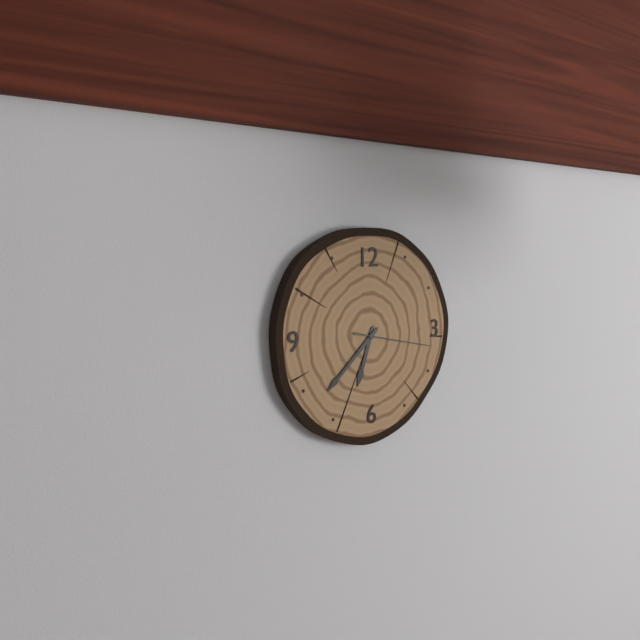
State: 6:38:17
